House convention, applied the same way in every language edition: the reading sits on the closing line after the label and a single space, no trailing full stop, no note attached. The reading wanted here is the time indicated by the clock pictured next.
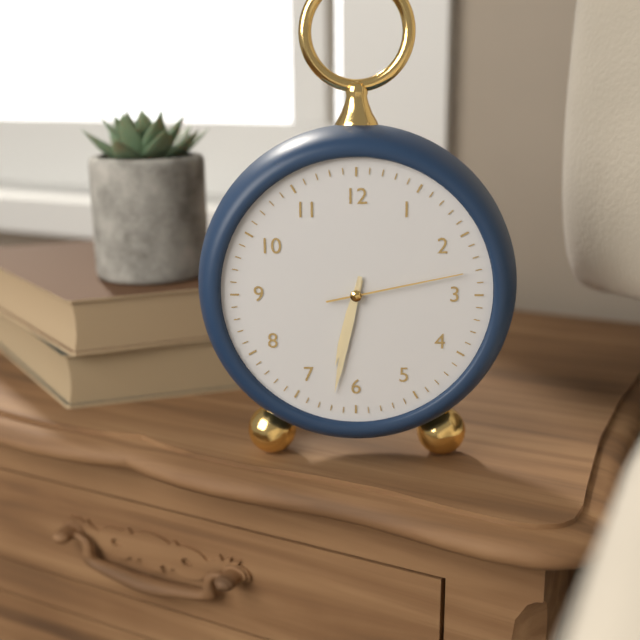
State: 6:32:13
